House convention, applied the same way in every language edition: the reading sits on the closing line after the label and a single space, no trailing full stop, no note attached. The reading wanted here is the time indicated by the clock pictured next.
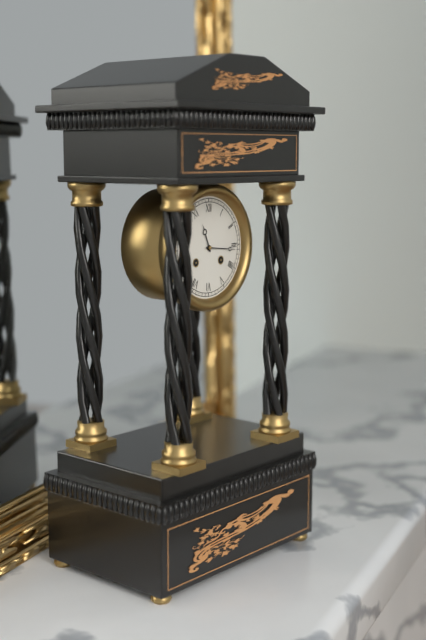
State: 11:16
